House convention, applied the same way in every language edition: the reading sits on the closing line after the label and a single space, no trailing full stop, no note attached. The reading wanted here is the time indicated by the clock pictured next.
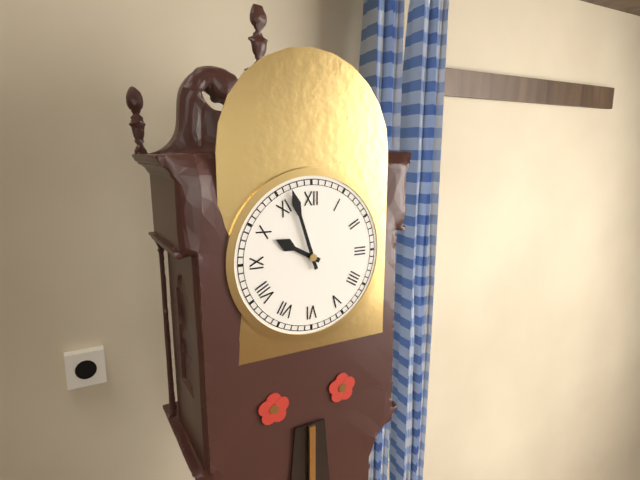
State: 9:57
